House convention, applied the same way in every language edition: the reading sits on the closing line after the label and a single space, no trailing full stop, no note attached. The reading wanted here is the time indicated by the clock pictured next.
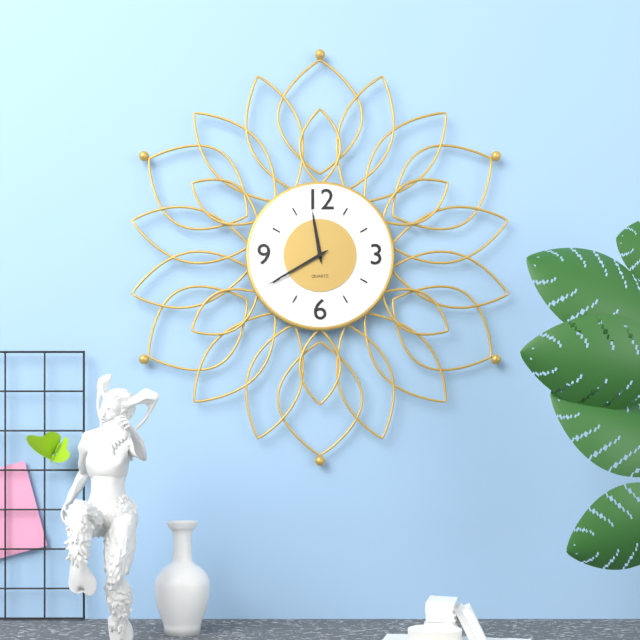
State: 11:40
